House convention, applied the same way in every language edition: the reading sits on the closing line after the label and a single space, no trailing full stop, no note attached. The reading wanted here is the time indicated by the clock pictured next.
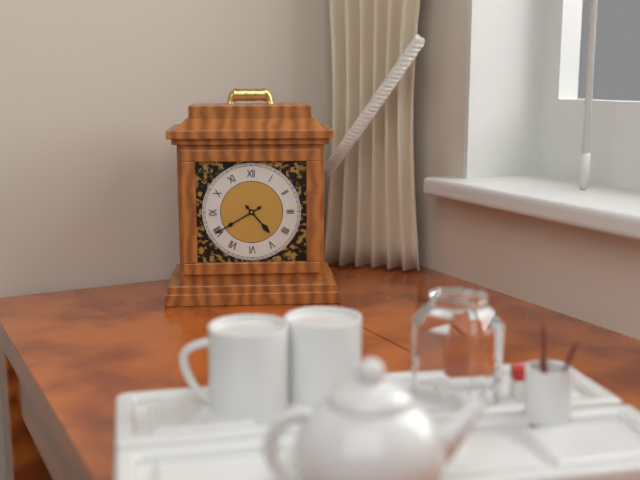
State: 4:40
